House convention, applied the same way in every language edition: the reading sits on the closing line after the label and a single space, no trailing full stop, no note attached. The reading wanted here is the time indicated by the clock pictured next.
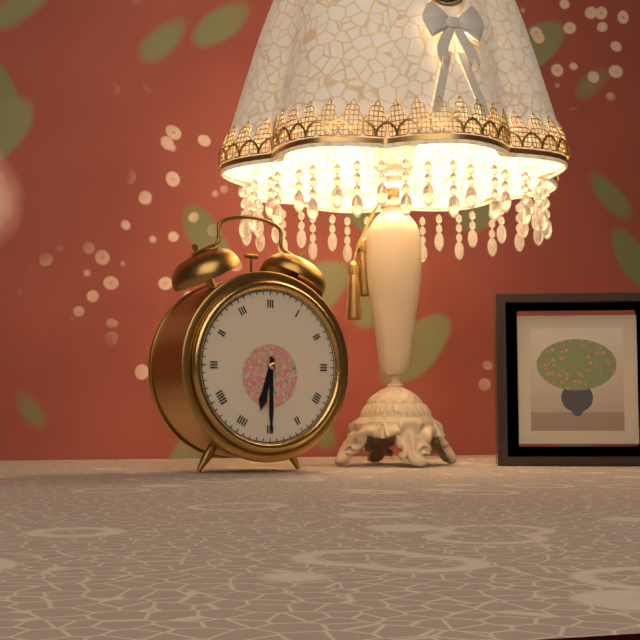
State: 6:30
